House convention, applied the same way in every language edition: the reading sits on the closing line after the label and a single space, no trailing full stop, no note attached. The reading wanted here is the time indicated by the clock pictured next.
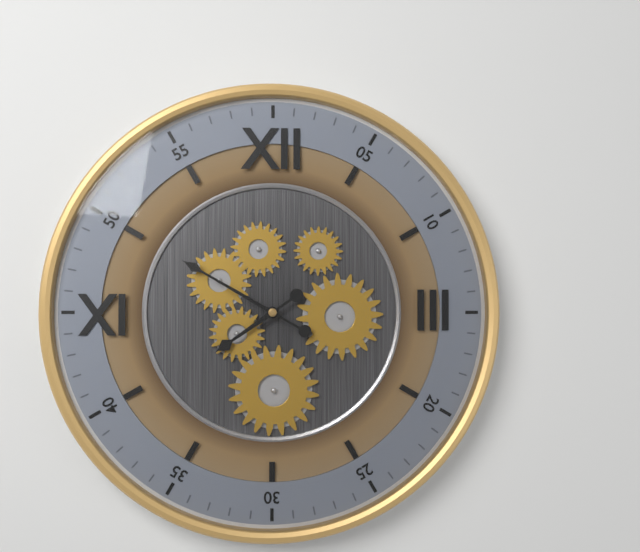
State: 7:50
